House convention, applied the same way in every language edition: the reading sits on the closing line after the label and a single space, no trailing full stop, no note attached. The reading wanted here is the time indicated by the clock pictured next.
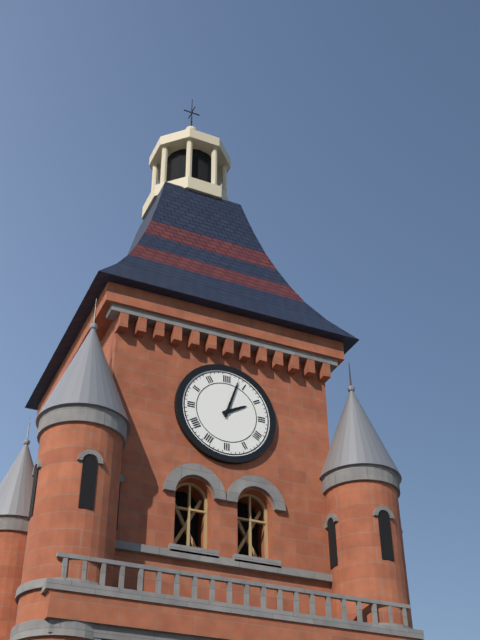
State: 2:03
